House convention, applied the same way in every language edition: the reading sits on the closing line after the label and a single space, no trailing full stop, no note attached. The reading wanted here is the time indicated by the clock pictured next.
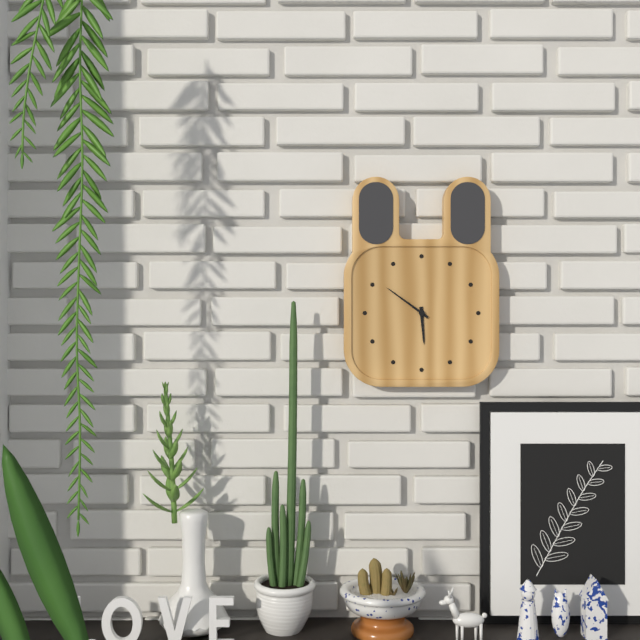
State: 5:51
